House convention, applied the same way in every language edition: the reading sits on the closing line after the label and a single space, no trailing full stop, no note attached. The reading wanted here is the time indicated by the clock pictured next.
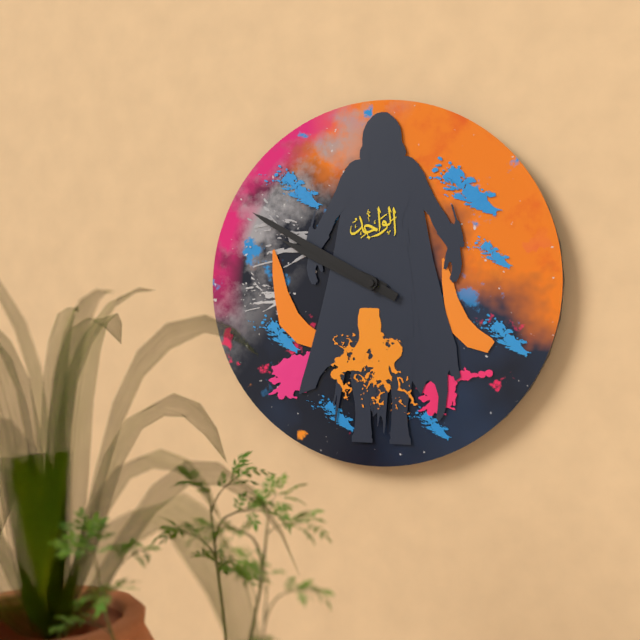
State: 9:50
